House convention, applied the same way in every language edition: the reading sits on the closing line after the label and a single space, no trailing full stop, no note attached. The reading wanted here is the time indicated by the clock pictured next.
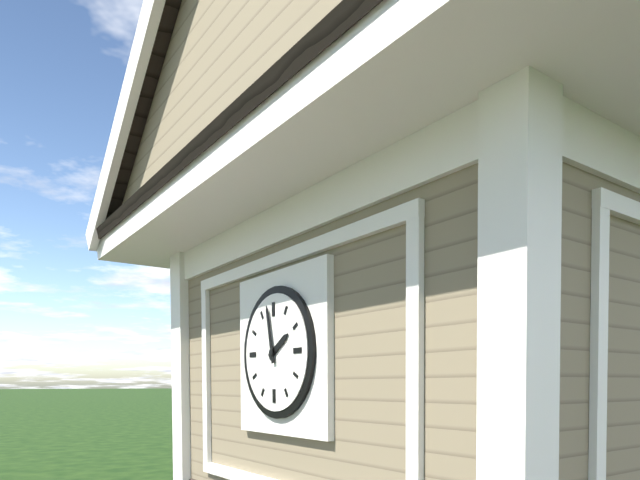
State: 1:58
